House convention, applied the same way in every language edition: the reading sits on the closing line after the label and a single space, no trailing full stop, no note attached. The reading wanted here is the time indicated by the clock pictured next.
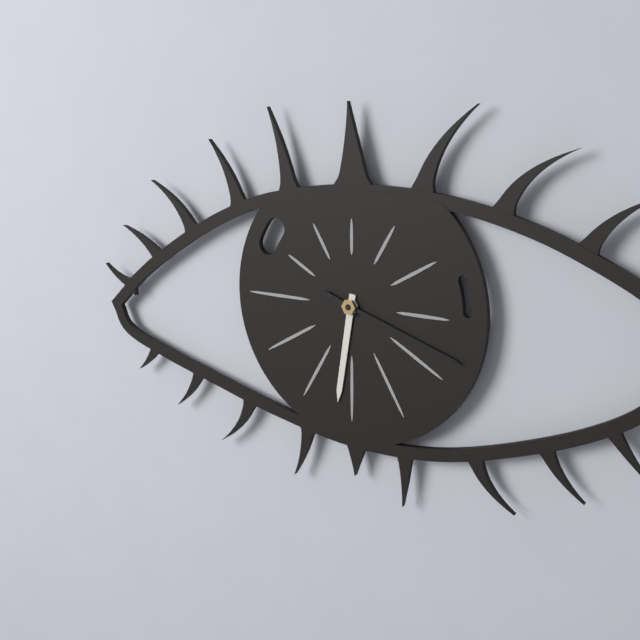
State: 6:18
